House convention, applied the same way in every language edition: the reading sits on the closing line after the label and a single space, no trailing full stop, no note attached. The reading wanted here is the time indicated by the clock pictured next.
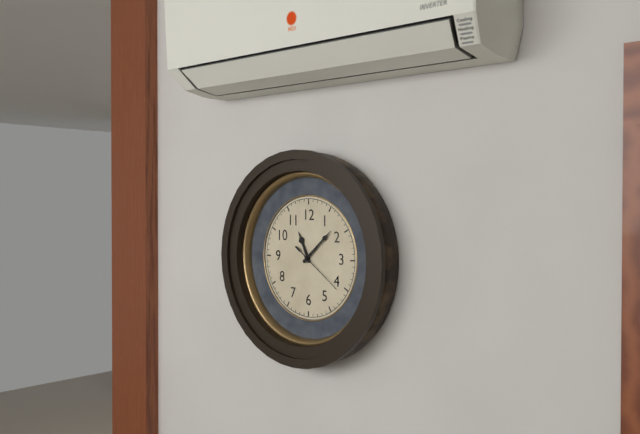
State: 11:08:21
